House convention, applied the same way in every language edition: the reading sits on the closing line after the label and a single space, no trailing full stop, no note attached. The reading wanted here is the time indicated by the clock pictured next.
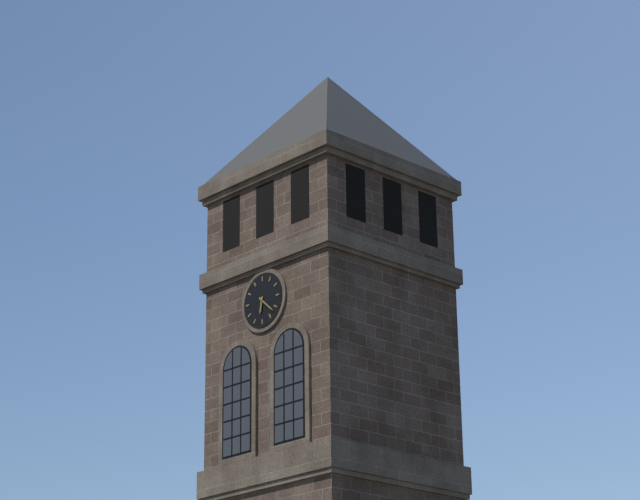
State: 6:22
